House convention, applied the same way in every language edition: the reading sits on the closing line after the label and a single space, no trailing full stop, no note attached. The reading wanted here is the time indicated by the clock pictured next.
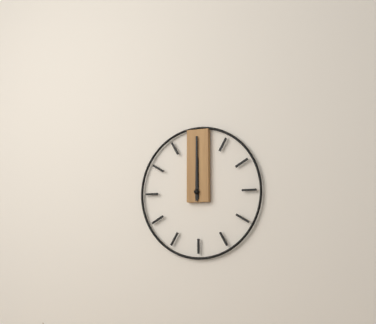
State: 12:00
